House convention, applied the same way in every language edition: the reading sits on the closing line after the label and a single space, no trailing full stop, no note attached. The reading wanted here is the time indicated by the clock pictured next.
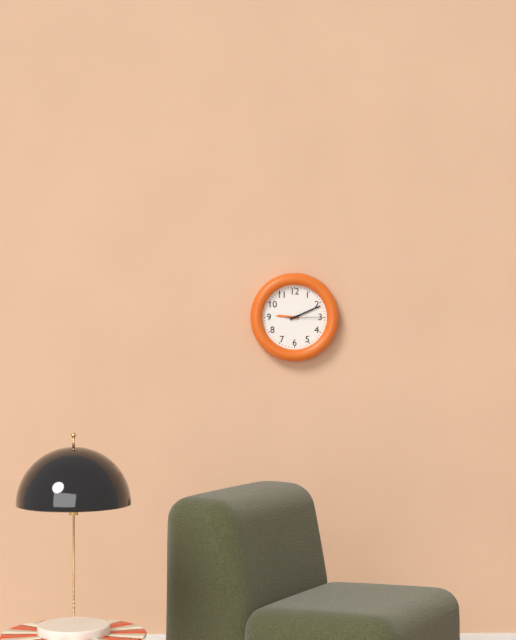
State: 9:11
